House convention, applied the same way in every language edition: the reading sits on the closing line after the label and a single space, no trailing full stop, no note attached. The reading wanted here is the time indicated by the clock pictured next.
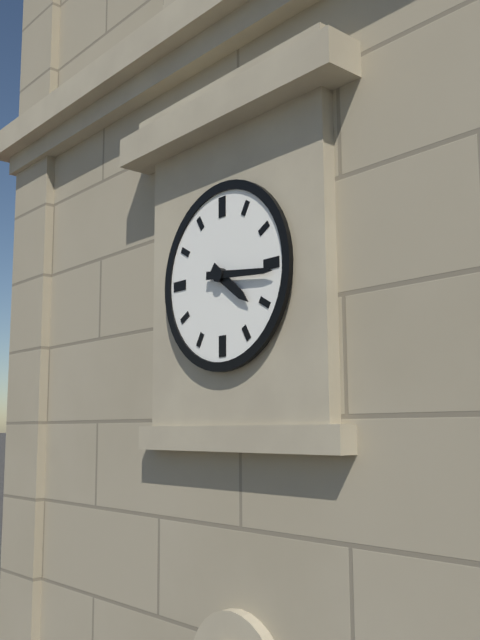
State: 4:16
